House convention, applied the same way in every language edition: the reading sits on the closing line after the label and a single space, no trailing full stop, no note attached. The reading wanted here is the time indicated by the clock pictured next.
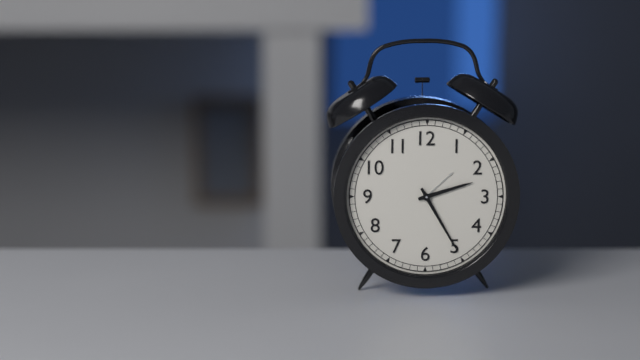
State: 2:25
